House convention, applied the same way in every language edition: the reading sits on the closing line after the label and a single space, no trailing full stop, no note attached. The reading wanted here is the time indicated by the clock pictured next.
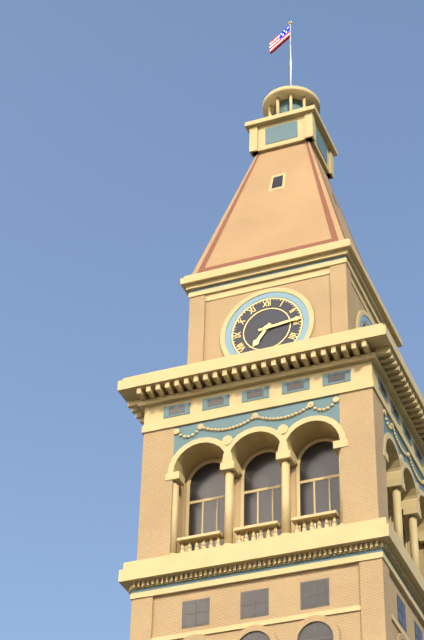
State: 7:14
